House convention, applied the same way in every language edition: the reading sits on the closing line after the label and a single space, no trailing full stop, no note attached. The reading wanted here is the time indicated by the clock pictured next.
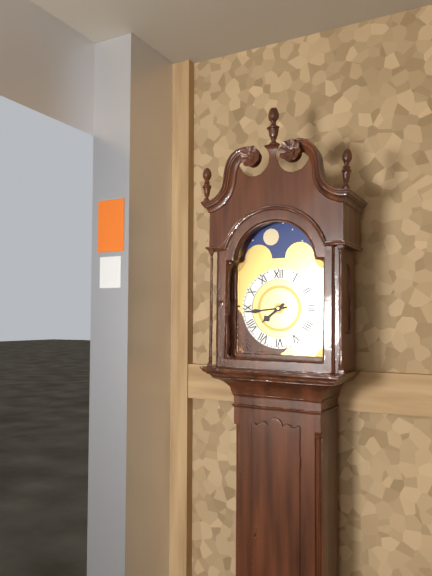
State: 7:44
